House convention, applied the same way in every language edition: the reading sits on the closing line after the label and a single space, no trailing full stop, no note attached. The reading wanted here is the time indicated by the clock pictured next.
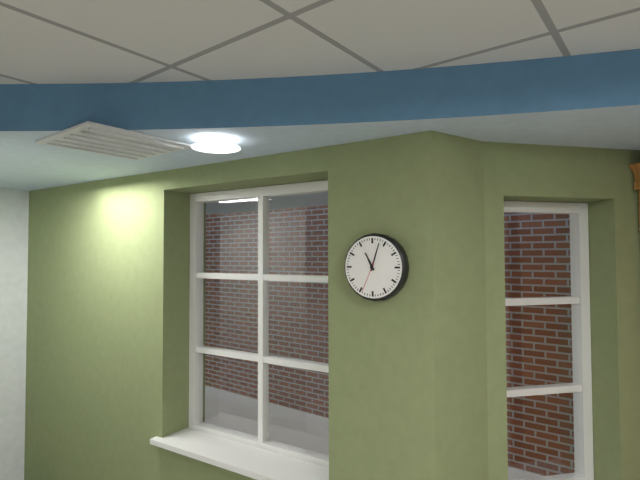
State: 11:03
